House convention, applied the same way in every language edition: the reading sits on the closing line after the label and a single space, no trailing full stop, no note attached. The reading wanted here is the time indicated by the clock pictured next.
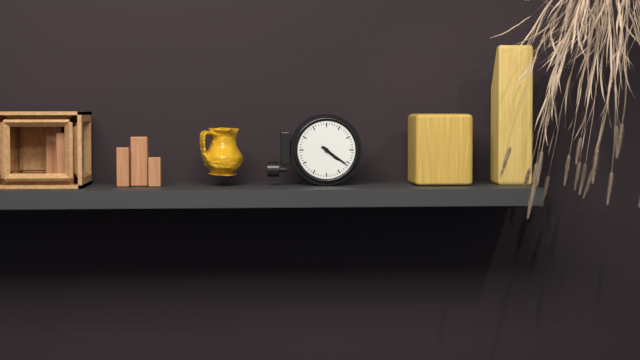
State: 4:21
